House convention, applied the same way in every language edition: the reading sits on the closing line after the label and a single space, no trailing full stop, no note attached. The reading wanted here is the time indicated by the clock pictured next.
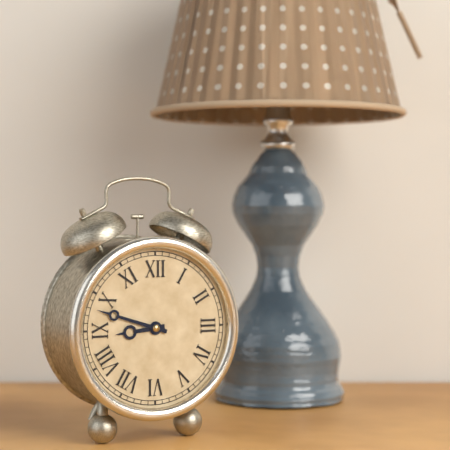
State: 8:48
